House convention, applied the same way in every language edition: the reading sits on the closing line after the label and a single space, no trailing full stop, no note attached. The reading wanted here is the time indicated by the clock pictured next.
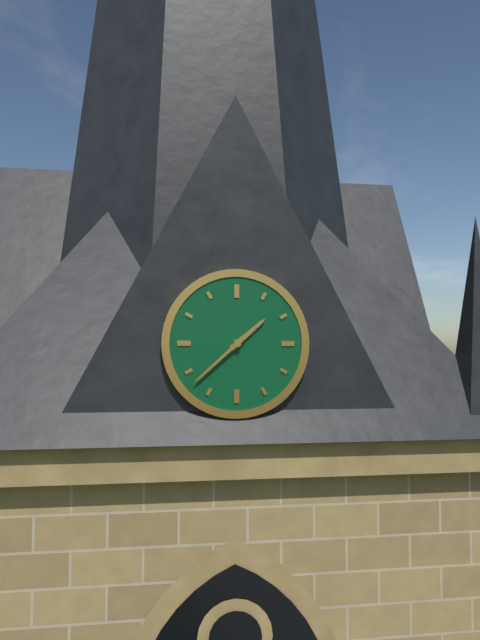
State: 1:38
